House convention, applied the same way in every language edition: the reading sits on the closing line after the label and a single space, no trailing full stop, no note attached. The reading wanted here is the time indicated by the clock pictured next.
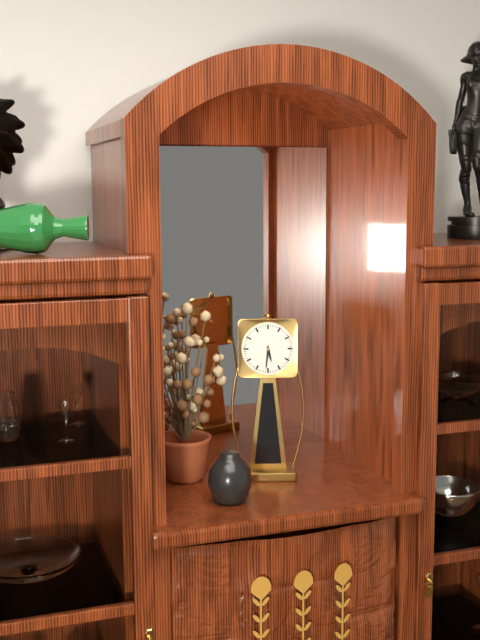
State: 5:31
